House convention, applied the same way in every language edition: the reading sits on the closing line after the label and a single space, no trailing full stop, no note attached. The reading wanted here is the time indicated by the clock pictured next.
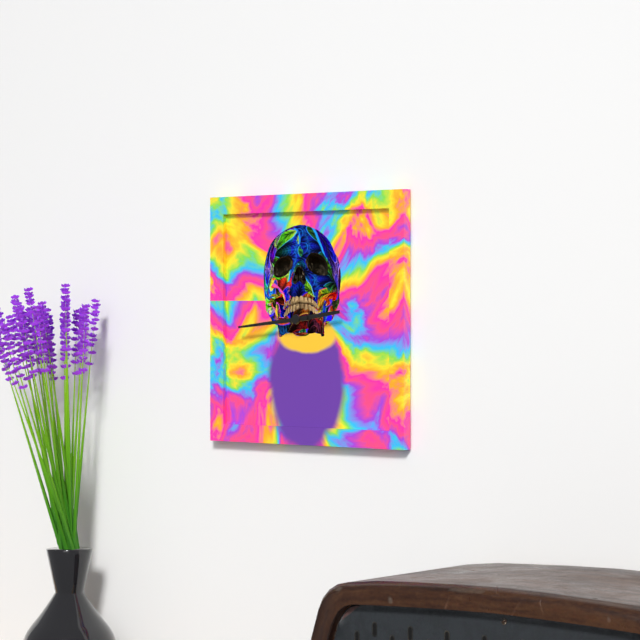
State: 2:44
